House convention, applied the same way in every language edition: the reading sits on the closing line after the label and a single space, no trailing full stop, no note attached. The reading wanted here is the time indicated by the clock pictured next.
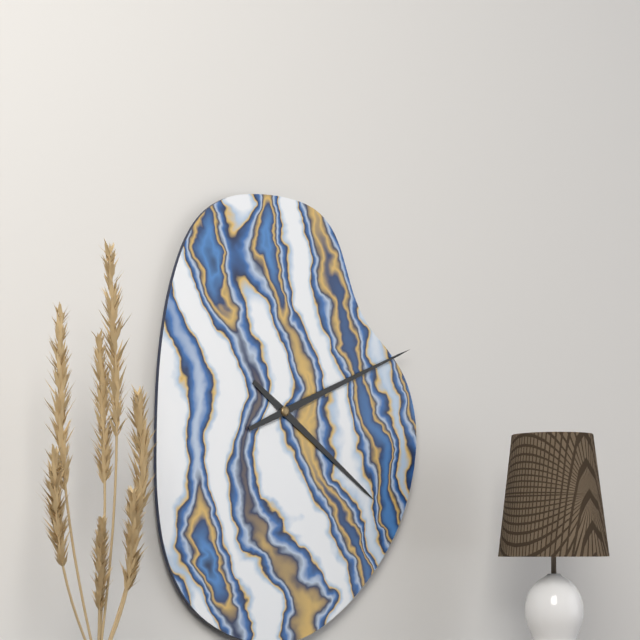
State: 4:11
